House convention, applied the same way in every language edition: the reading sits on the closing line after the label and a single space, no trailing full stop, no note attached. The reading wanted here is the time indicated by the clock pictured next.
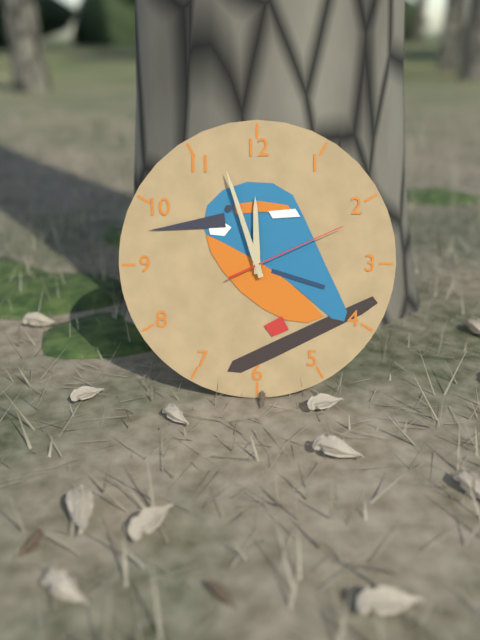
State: 11:57:11
